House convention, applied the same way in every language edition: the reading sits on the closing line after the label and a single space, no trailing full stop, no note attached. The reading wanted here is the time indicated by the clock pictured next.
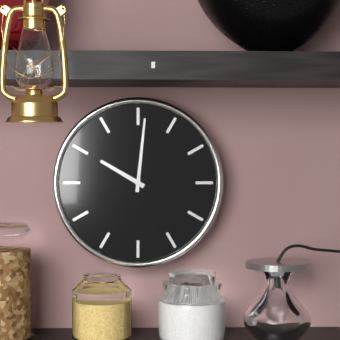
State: 10:01
